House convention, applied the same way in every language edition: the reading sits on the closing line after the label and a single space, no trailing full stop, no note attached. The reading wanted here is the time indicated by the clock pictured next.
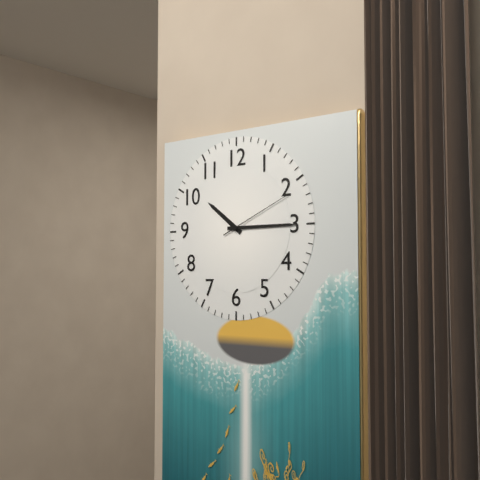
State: 10:15:11
